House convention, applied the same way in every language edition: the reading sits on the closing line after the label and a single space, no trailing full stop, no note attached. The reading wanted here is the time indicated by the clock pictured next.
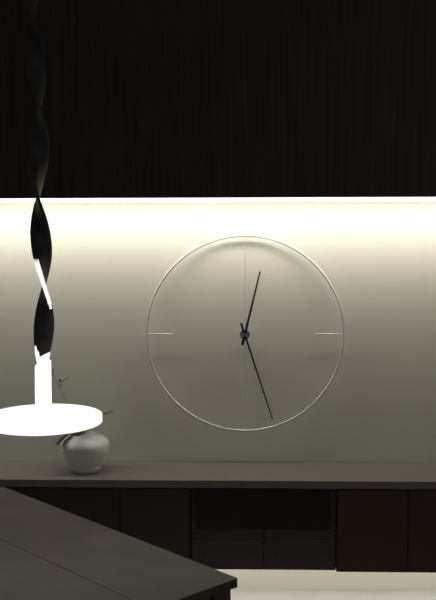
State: 12:27
